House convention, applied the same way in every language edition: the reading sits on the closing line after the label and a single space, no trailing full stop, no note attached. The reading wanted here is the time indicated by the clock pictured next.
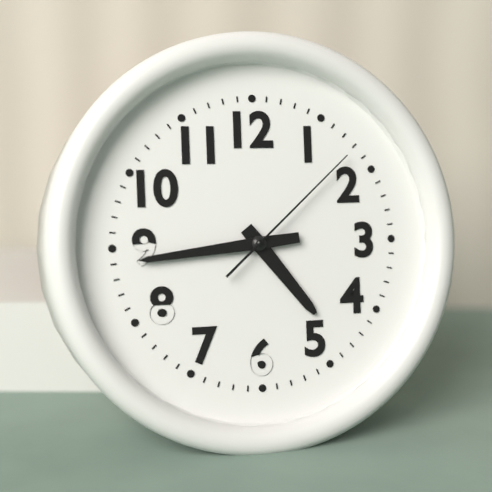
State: 4:44:08
